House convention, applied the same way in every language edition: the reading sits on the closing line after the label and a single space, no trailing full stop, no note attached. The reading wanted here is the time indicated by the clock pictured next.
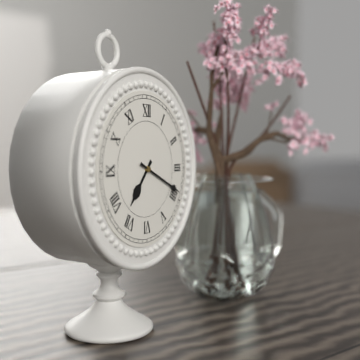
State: 7:19
